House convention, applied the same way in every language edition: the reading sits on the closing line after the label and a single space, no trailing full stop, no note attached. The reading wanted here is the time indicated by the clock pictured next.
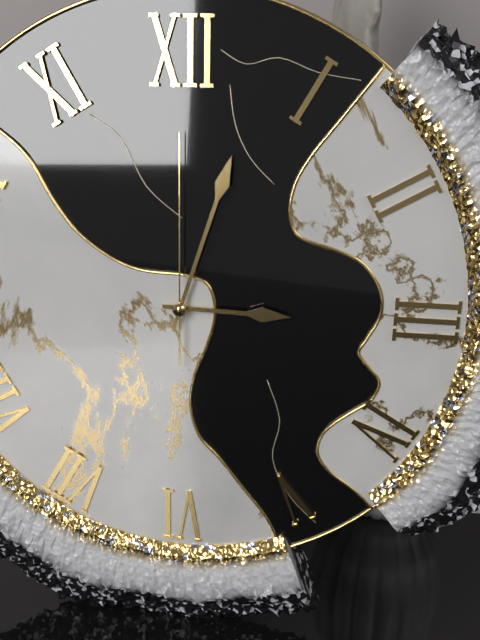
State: 3:03:00
